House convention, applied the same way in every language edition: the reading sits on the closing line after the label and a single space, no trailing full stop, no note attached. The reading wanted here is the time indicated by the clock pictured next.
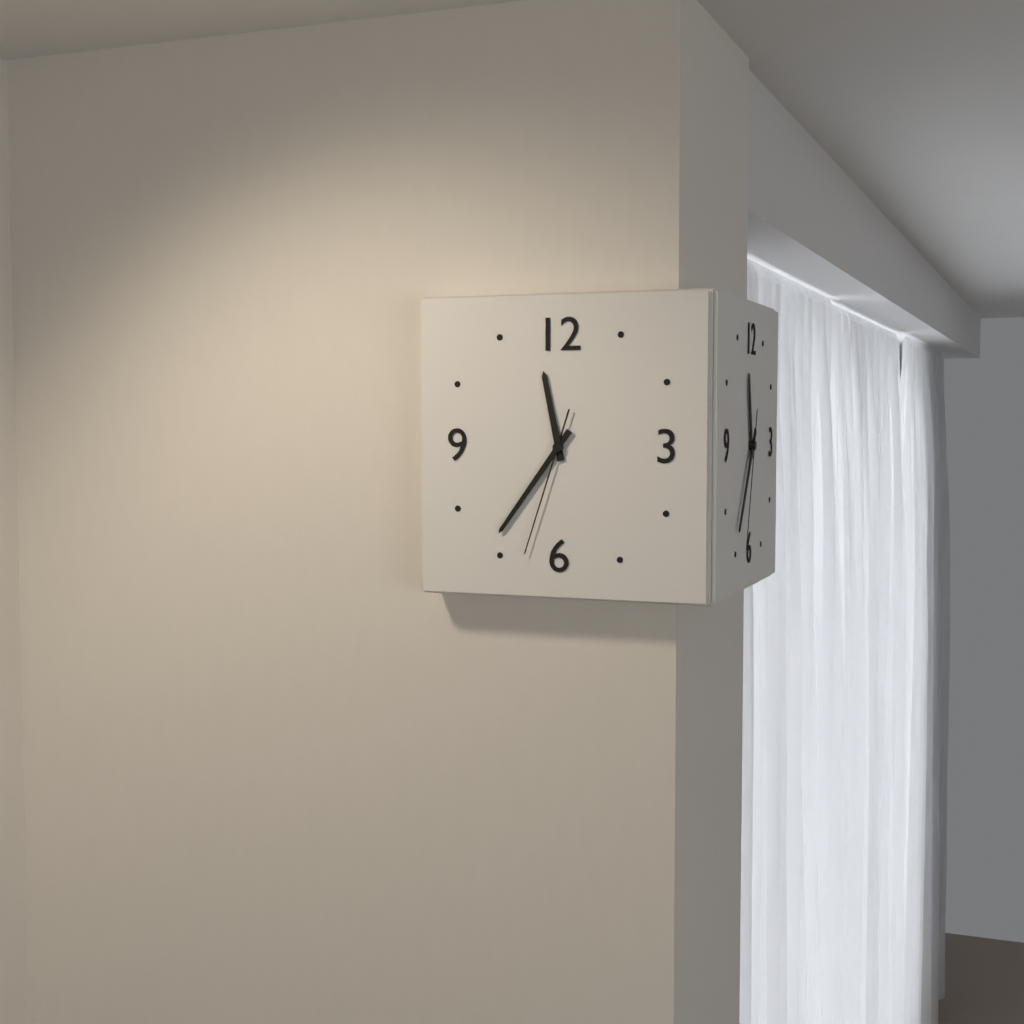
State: 11:36:33
